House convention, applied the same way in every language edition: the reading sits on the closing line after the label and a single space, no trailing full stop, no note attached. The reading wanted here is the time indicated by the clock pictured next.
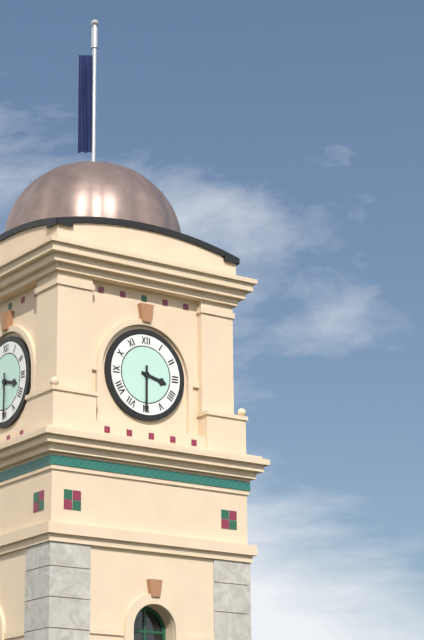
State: 3:30
